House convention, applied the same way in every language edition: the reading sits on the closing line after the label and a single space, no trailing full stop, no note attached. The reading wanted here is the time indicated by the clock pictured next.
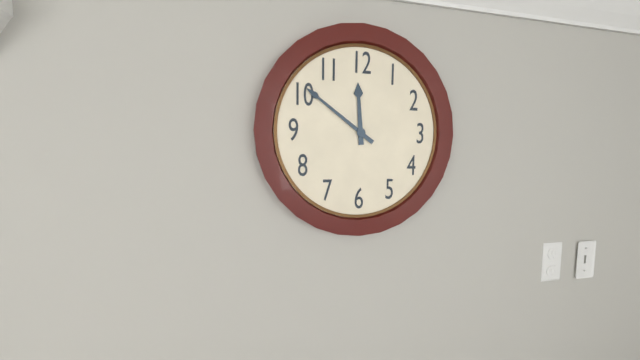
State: 11:51
